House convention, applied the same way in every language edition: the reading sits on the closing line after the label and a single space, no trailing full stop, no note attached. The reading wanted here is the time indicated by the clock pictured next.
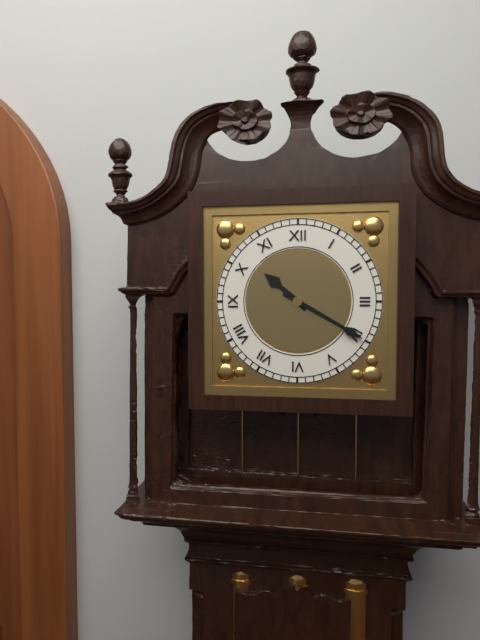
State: 10:20
